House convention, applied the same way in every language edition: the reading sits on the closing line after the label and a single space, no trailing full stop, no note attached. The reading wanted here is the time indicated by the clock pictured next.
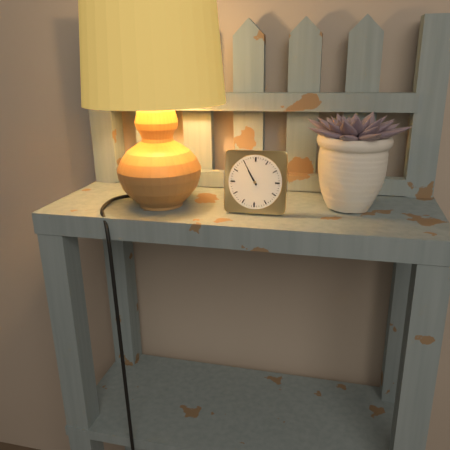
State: 10:55
